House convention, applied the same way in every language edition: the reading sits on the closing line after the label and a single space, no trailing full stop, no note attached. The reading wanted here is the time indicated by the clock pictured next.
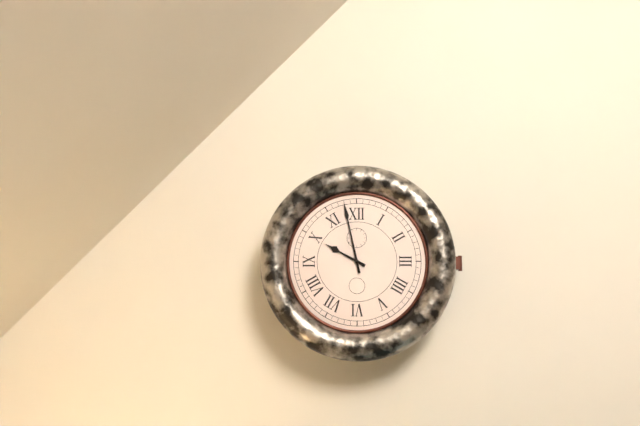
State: 9:58
